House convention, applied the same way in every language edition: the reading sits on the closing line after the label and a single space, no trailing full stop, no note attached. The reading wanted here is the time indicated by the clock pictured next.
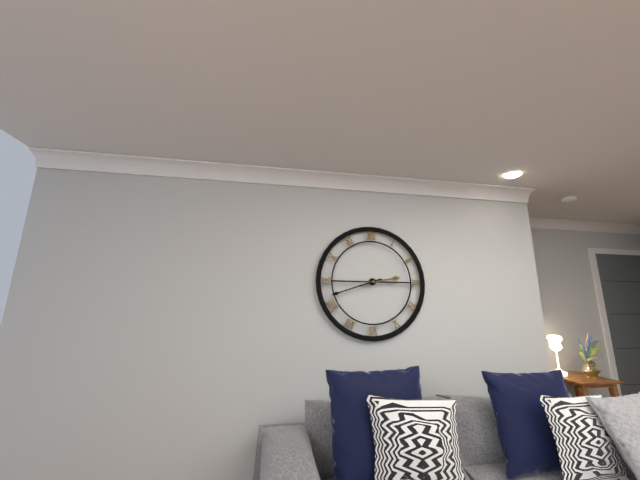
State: 2:42
